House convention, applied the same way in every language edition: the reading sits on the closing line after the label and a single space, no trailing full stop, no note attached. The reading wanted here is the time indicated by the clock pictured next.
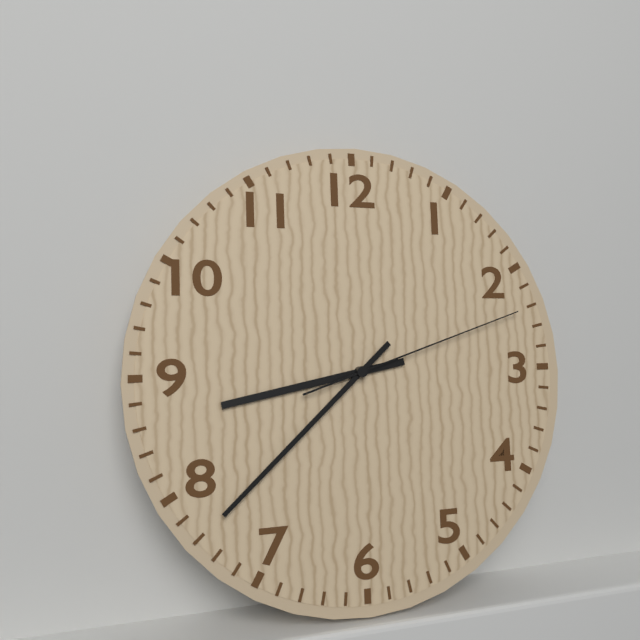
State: 8:38:12
